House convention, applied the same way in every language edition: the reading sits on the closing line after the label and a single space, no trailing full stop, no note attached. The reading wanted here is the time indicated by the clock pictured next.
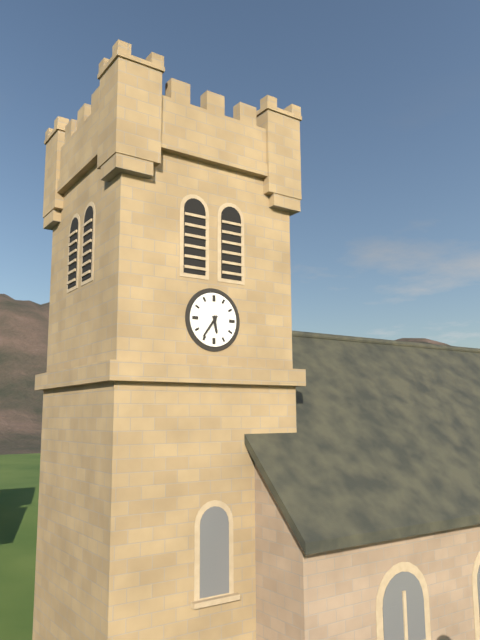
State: 5:36
